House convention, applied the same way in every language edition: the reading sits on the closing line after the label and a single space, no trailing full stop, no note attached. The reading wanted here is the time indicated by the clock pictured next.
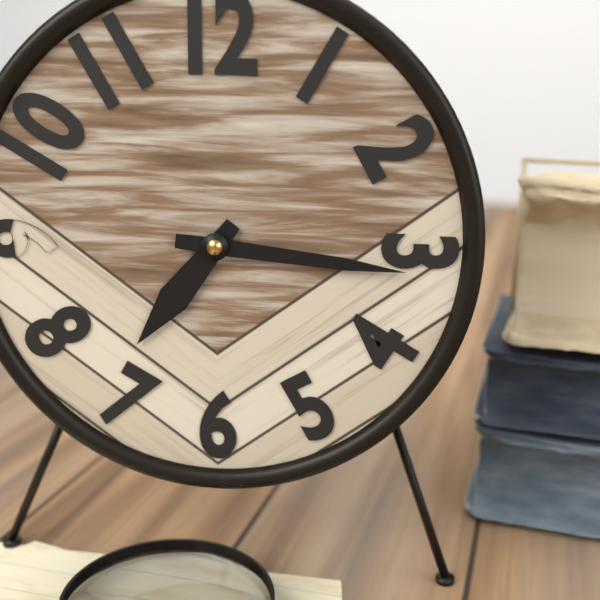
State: 7:16
